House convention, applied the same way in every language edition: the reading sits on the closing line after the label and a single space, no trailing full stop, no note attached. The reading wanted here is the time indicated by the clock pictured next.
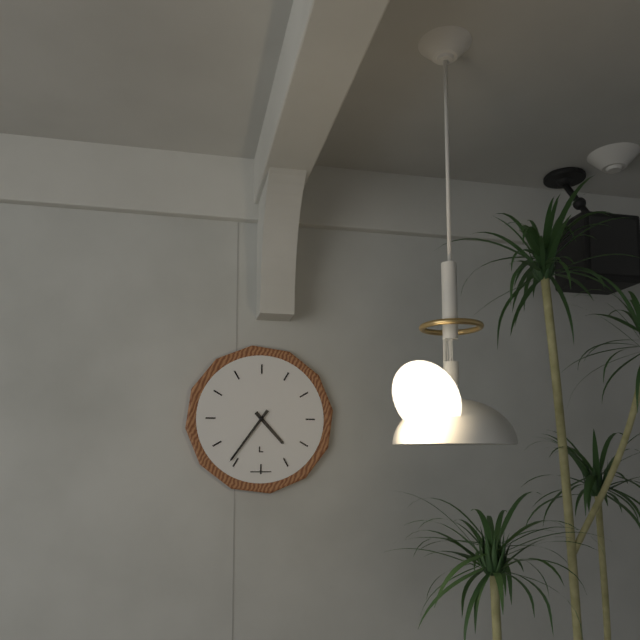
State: 4:36
